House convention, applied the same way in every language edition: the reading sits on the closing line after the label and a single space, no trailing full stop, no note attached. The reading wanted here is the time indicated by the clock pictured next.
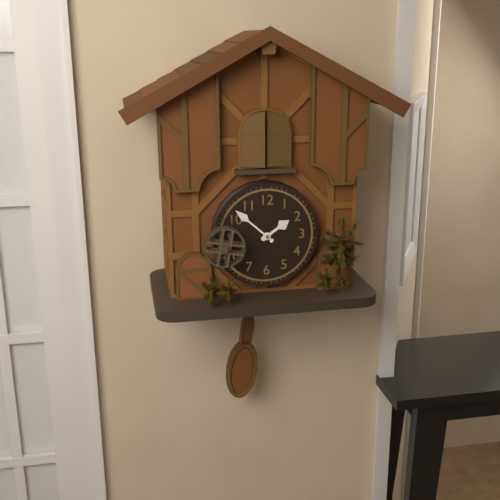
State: 1:52
